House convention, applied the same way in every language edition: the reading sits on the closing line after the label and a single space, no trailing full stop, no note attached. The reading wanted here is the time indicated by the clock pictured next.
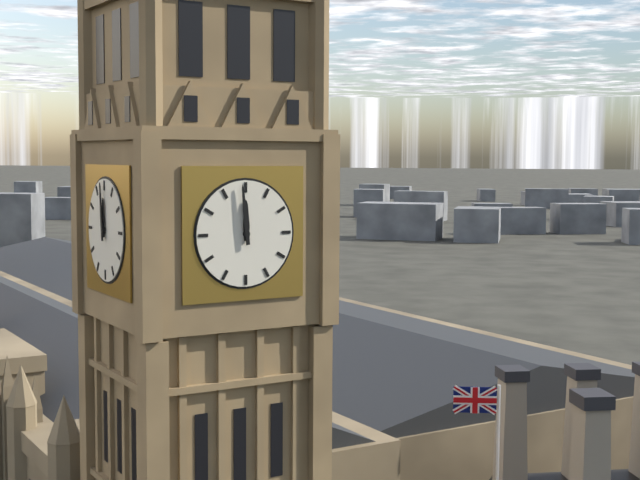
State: 11:59
